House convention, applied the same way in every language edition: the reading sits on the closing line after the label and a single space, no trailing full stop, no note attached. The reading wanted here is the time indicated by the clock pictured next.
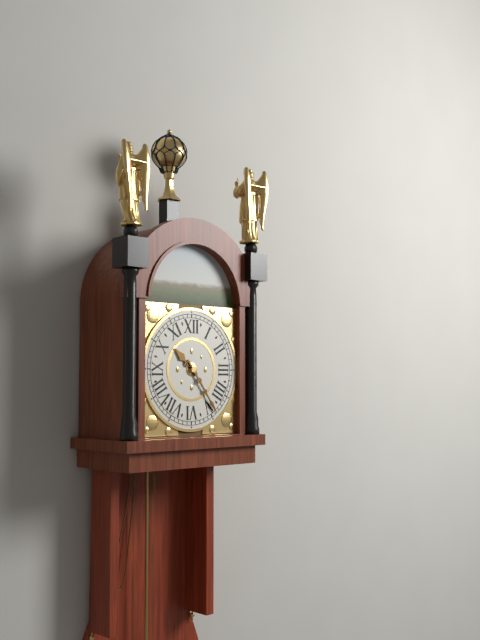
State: 10:24
